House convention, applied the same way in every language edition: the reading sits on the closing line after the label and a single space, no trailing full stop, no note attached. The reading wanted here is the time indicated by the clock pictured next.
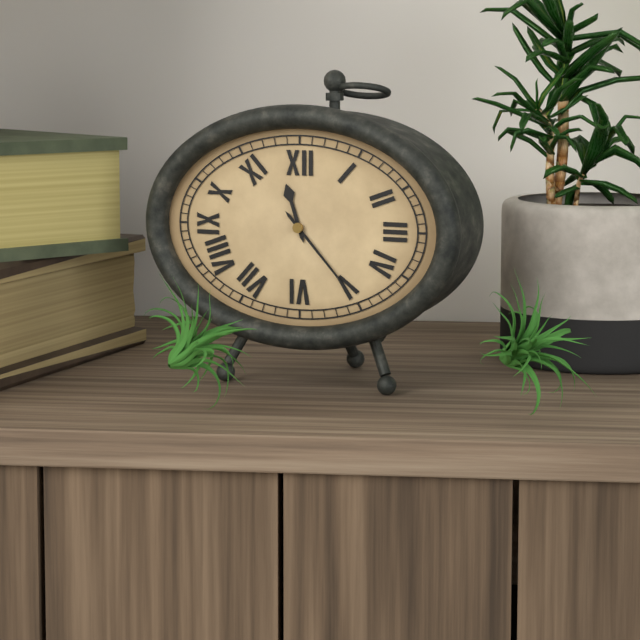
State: 11:23
